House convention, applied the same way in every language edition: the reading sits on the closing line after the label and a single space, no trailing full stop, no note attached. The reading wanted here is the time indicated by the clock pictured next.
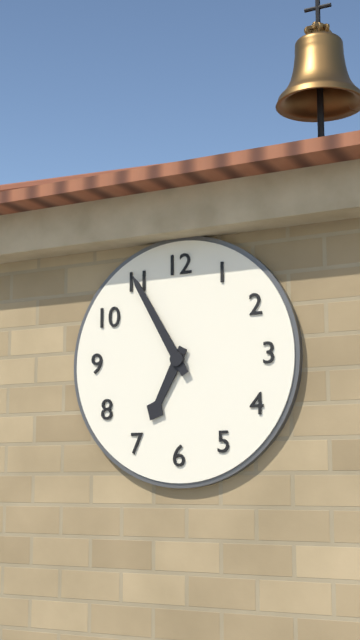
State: 6:55
